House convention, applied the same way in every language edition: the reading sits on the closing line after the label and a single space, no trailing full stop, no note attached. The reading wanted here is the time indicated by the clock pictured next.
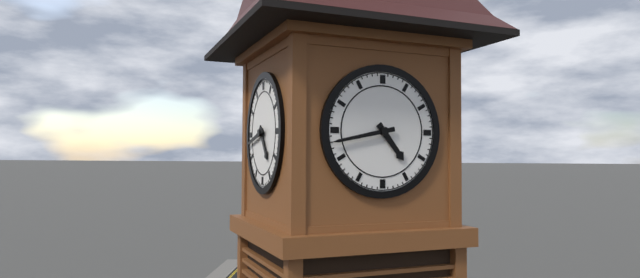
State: 4:43
